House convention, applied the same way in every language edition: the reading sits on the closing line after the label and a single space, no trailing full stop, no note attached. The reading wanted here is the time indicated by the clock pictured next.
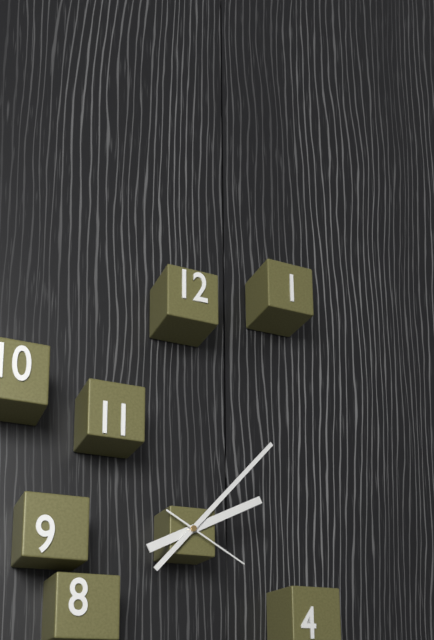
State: 2:07:20
